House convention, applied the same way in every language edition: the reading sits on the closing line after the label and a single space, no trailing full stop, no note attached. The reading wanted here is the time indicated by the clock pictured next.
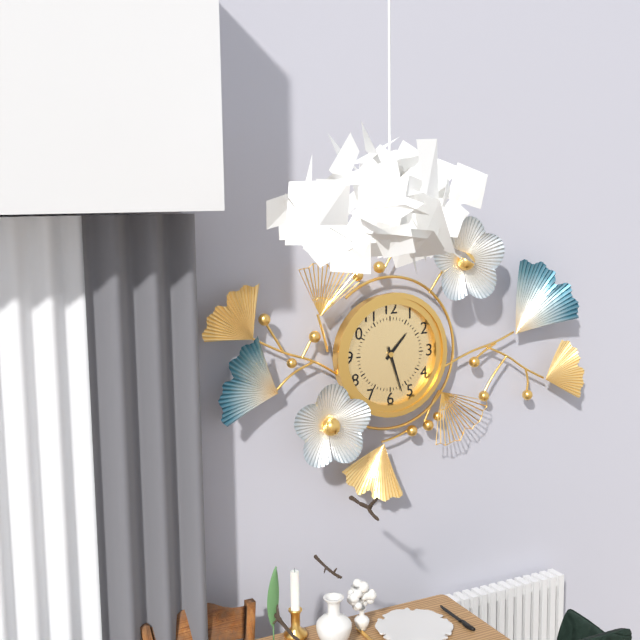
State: 1:27
